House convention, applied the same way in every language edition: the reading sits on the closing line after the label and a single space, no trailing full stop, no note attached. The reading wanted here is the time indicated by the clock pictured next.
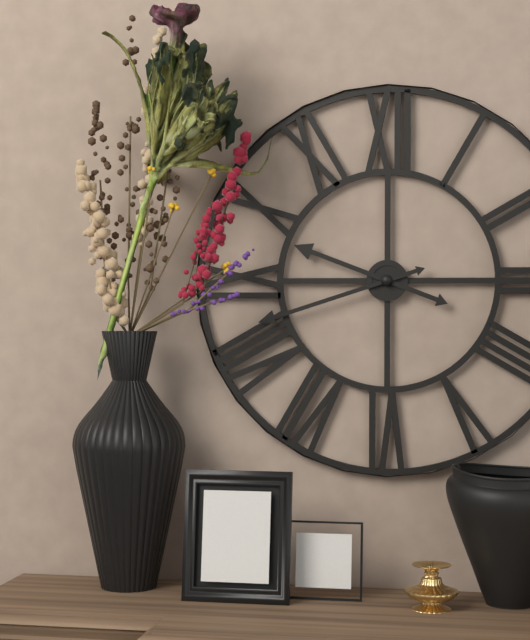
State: 9:42
